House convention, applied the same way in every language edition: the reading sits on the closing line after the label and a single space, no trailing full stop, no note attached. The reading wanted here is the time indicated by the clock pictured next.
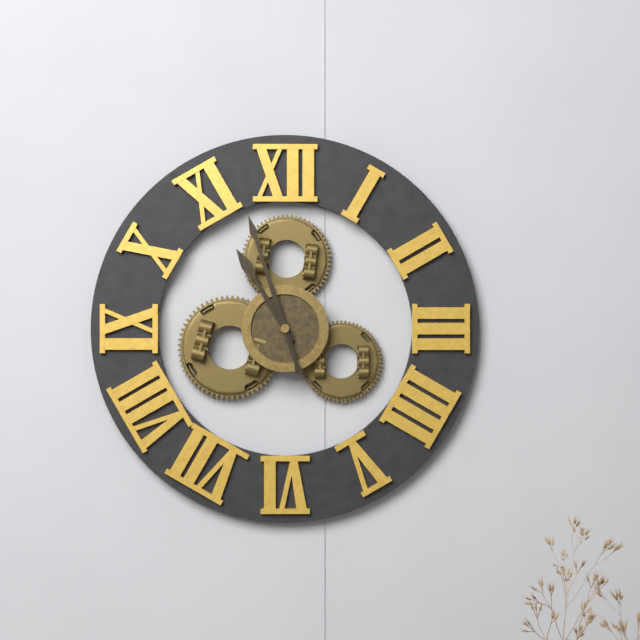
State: 10:57
